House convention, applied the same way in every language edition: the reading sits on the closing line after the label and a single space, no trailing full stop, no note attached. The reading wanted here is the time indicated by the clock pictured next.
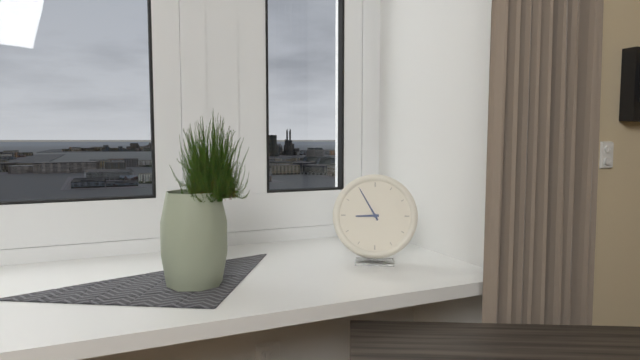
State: 8:55
